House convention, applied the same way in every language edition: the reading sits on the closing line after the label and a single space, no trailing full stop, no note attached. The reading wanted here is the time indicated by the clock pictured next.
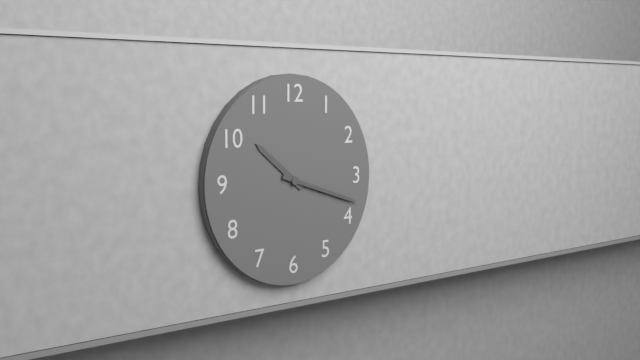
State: 10:18
